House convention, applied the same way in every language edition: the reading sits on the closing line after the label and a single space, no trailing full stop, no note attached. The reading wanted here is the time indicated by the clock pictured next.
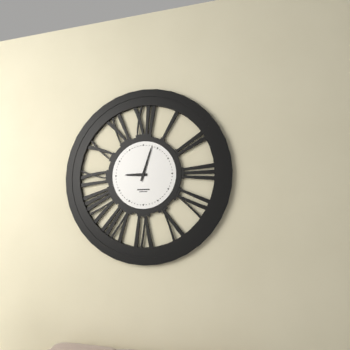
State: 9:03
